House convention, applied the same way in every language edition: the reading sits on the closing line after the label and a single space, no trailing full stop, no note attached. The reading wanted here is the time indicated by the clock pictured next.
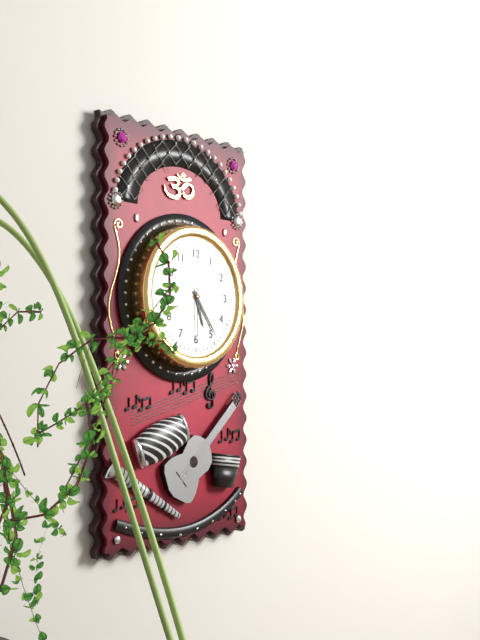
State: 5:24:30
